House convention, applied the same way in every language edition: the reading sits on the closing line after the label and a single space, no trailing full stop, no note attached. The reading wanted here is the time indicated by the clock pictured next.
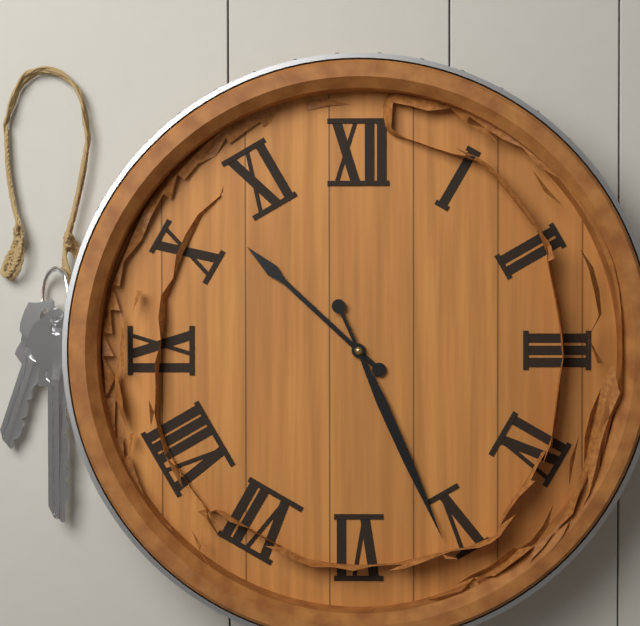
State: 10:26
